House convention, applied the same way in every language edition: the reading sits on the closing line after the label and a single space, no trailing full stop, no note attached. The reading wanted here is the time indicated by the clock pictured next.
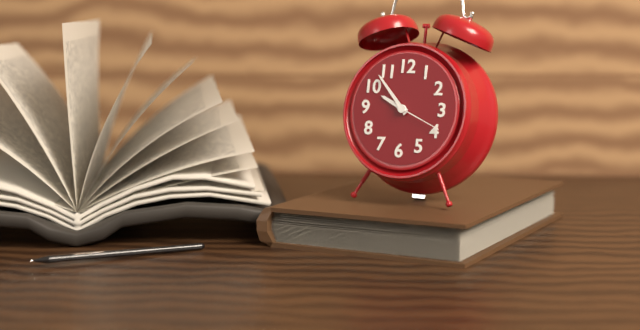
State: 9:53:19
